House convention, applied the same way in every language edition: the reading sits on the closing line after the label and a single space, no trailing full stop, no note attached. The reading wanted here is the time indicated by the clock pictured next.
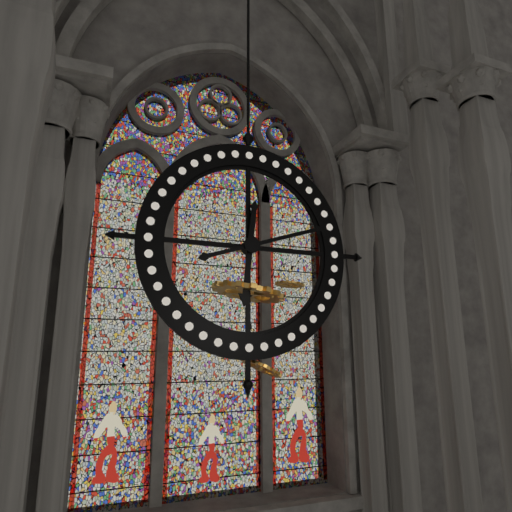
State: 6:12
